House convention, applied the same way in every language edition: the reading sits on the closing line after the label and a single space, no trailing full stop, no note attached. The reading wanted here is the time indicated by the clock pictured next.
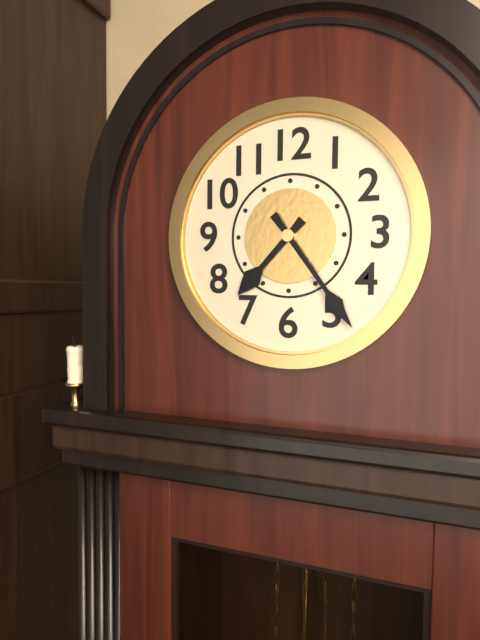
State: 7:24
